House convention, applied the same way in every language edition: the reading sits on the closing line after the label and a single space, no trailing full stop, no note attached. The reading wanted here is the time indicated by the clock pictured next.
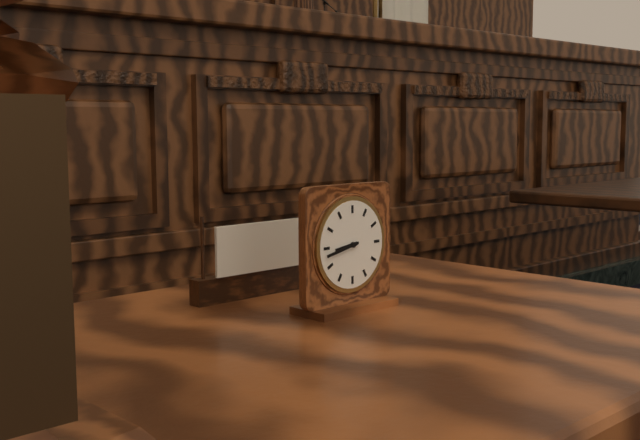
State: 8:43
